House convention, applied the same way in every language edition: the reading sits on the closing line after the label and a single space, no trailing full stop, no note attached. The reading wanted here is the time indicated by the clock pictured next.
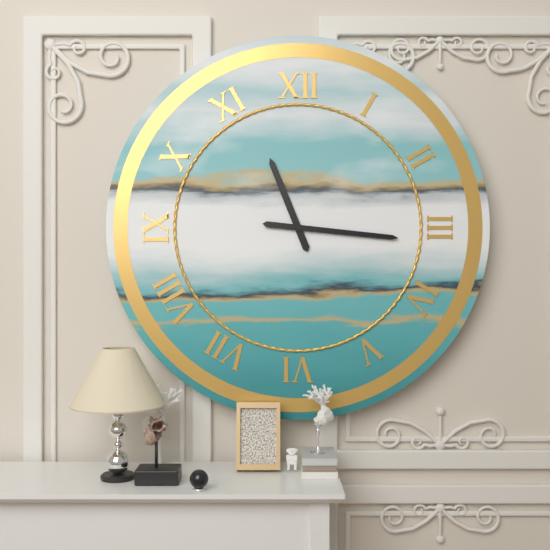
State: 11:16
